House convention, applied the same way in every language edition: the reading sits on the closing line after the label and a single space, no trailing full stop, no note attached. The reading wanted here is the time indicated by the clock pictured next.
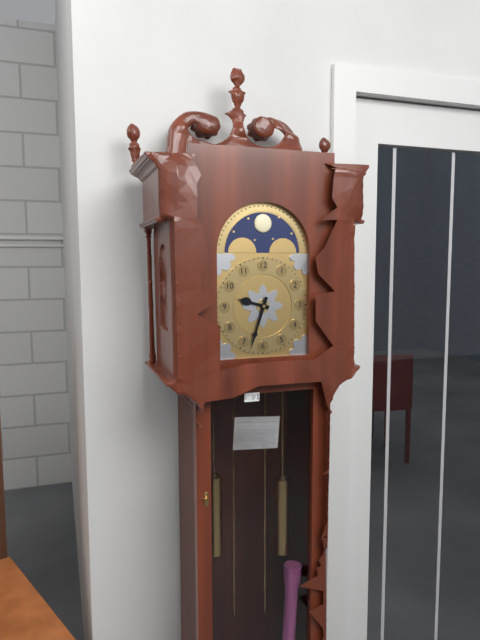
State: 9:33
